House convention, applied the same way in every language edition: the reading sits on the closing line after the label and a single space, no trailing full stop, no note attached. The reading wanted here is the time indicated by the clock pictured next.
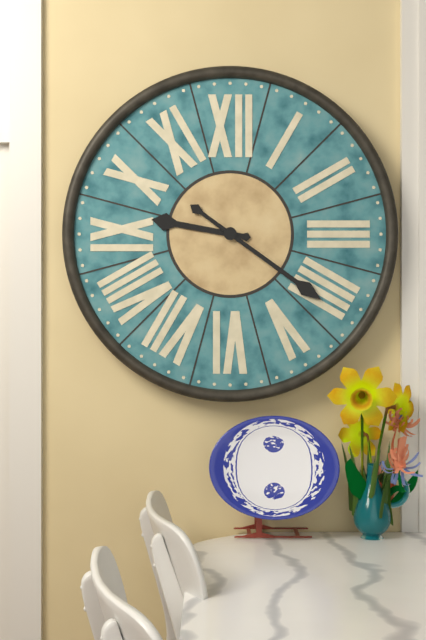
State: 9:21
